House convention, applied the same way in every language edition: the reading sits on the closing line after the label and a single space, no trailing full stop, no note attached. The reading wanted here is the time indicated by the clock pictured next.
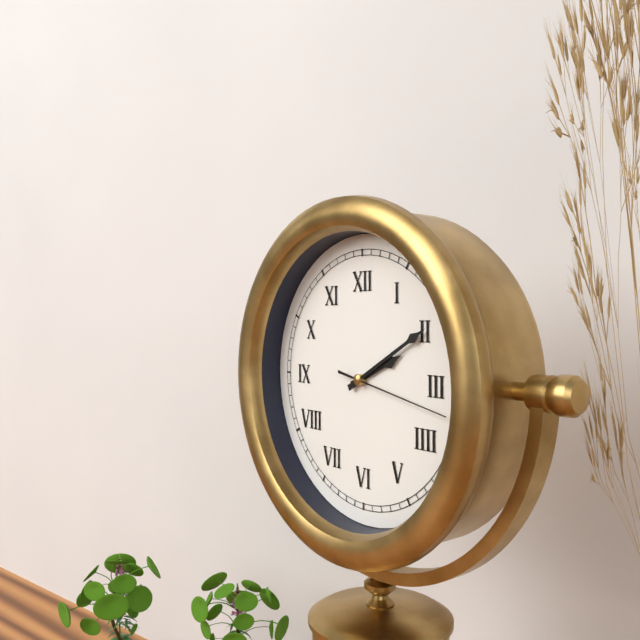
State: 2:10:17
